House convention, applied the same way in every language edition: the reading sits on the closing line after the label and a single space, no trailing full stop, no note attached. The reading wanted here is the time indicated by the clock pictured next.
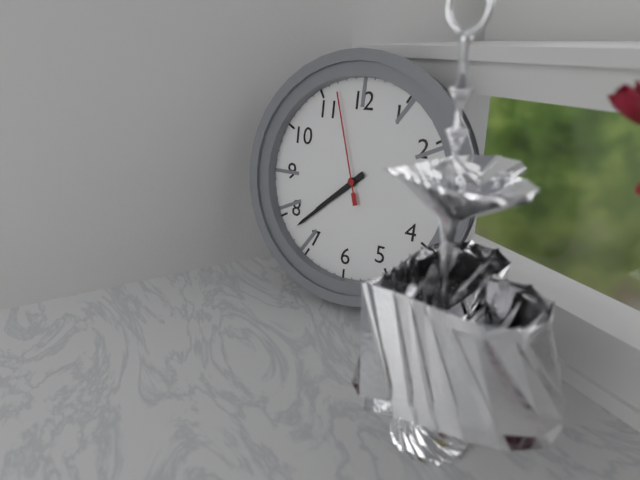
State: 7:38:57
